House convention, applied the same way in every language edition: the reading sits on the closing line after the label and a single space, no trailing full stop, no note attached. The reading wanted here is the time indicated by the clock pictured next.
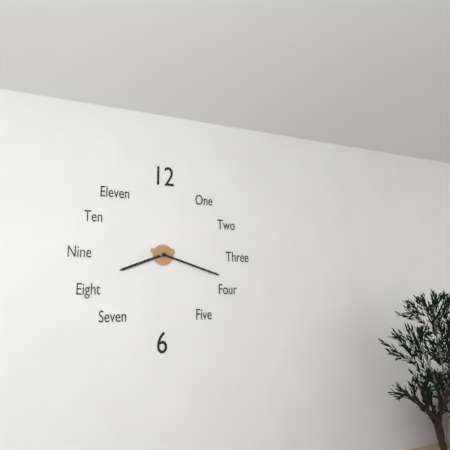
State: 8:18
